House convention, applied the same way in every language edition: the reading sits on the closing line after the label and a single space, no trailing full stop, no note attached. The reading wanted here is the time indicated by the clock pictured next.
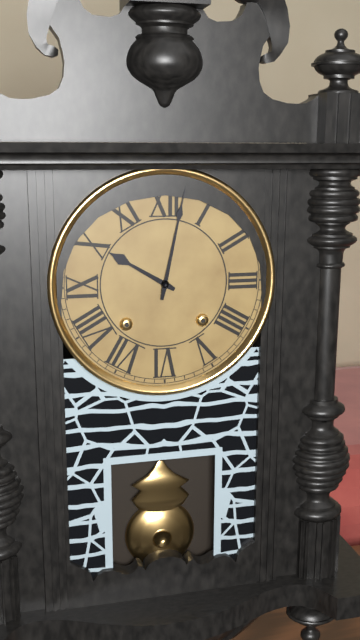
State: 10:02
